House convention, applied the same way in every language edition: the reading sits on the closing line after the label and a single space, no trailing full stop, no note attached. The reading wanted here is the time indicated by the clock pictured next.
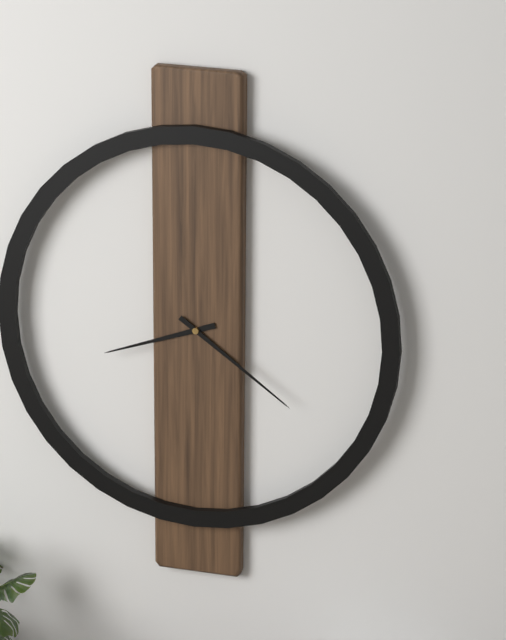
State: 8:21
